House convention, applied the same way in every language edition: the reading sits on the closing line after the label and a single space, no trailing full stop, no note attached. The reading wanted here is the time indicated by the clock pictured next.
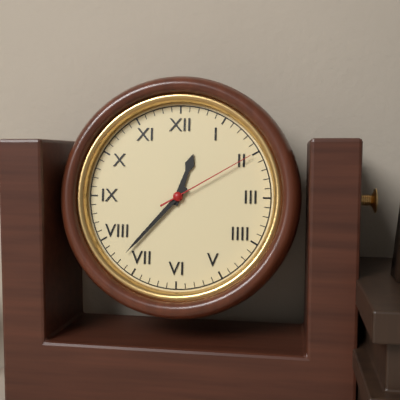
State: 12:37:10
